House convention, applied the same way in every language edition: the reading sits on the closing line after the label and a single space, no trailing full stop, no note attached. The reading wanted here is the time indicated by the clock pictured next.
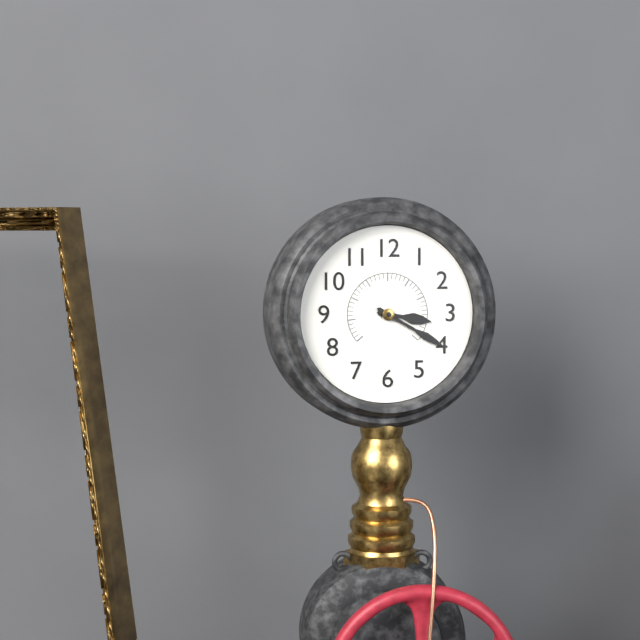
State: 3:20
